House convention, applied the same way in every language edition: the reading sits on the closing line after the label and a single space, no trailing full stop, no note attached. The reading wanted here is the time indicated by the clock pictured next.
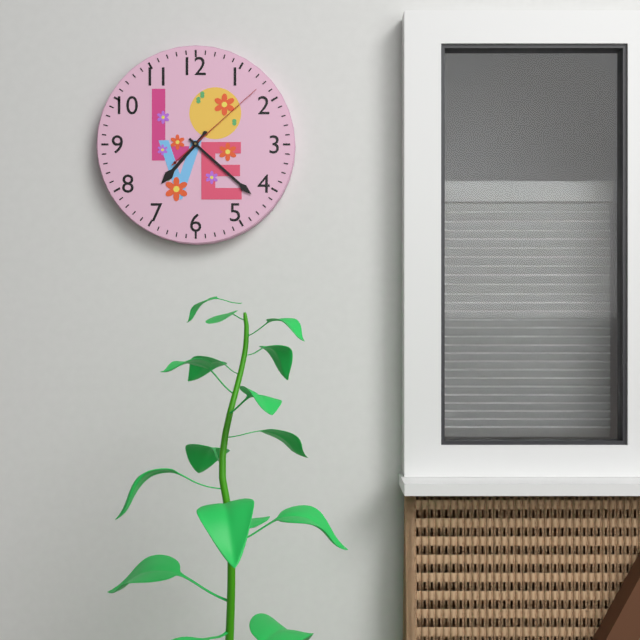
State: 7:22:08
